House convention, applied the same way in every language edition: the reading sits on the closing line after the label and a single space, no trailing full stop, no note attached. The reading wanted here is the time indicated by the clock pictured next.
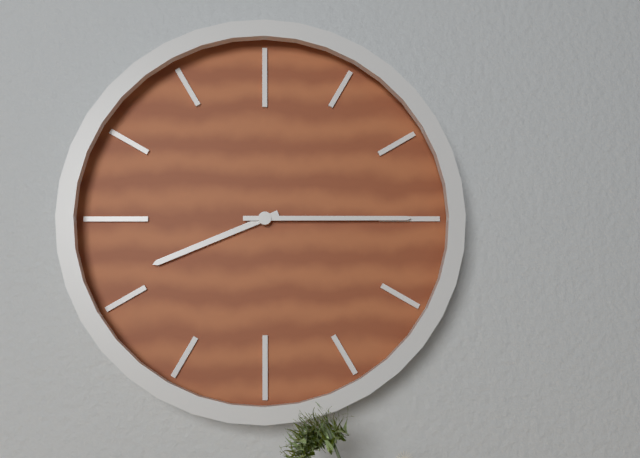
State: 8:15
